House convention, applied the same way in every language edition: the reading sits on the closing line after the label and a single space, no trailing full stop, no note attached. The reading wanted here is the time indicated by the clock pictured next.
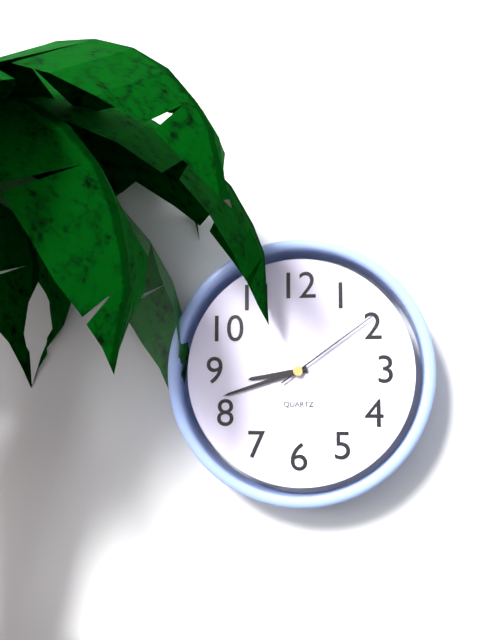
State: 8:42:09
